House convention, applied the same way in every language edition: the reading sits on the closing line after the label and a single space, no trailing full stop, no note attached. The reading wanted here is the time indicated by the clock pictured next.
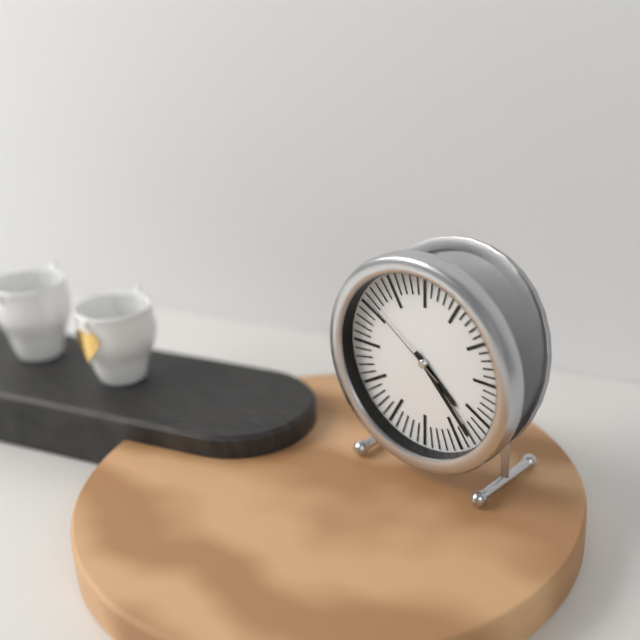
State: 4:23:51
